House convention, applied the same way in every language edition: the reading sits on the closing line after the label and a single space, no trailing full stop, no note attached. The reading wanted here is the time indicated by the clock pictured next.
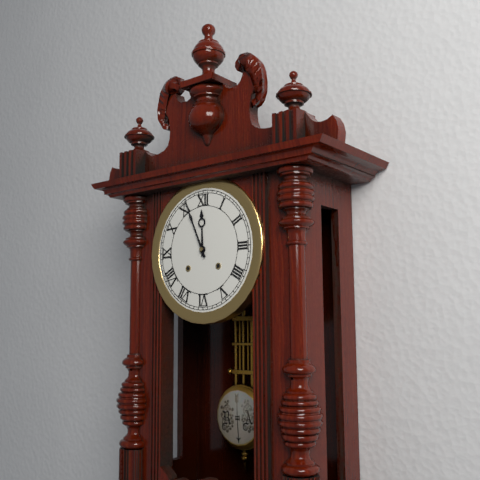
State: 11:56
